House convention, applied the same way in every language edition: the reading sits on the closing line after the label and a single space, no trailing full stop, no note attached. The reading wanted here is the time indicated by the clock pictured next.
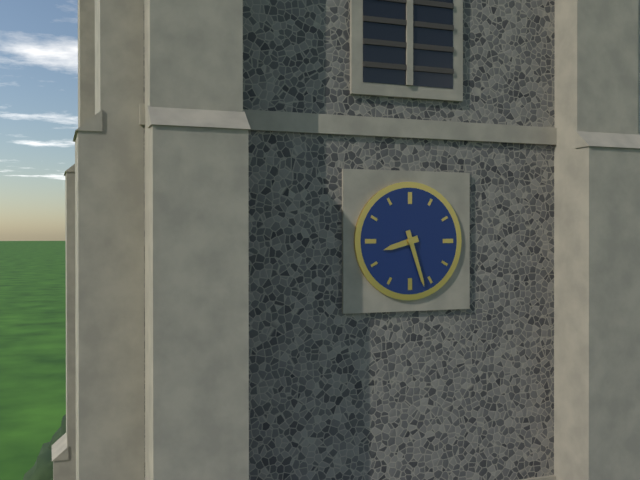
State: 8:27
